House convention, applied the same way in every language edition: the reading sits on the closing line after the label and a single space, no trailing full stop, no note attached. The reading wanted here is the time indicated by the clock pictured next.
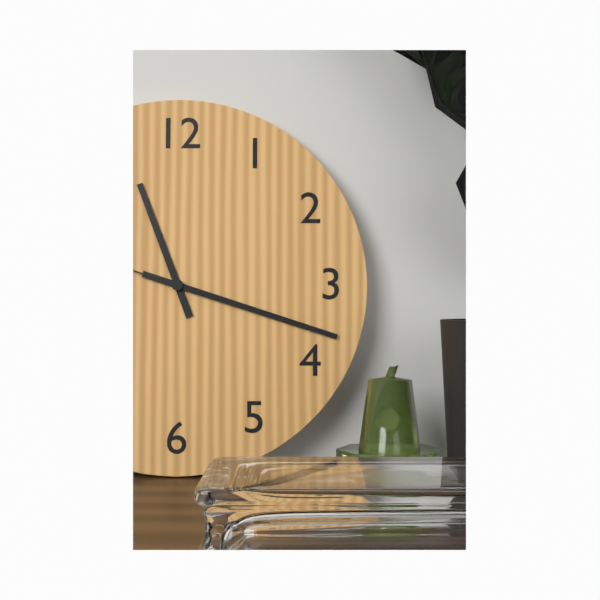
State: 11:18:48
